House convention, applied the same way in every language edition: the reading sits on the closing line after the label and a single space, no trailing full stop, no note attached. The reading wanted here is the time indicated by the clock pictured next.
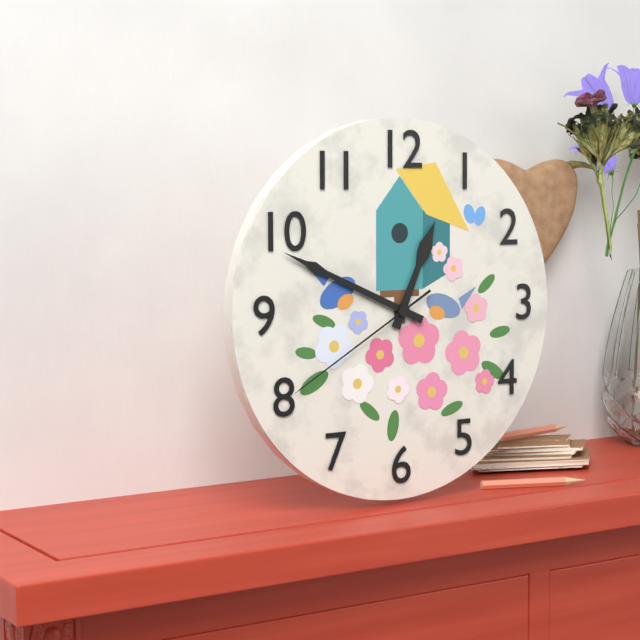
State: 12:49:40
